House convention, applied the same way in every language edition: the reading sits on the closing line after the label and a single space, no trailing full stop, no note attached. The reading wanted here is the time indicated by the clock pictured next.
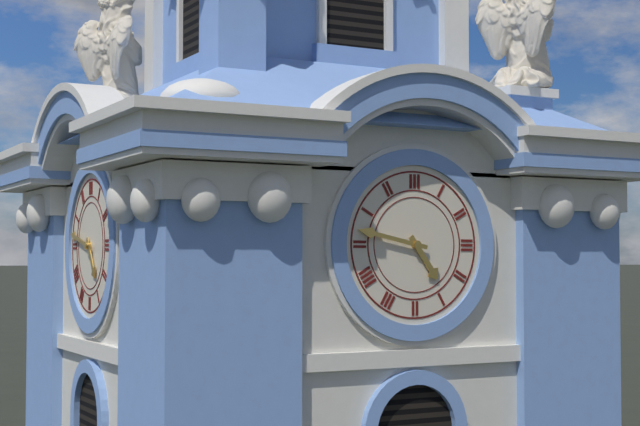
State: 4:47
